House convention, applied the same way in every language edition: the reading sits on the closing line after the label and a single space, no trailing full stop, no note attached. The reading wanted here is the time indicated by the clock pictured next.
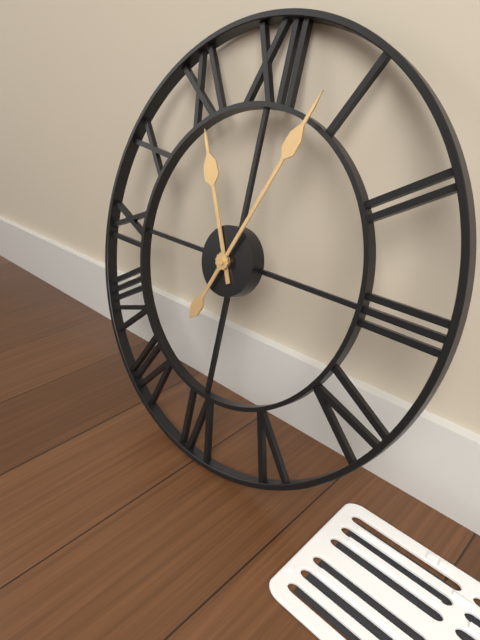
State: 11:04
